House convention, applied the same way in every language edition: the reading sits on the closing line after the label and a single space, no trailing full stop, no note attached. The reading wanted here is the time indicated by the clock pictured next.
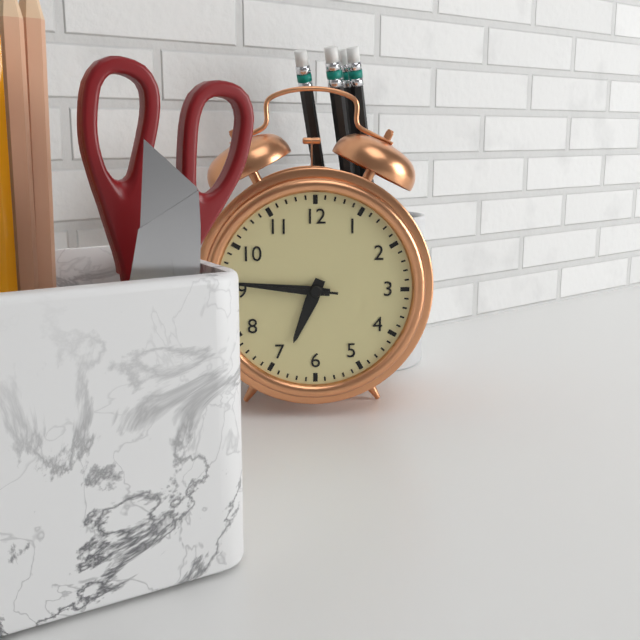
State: 6:46:46
